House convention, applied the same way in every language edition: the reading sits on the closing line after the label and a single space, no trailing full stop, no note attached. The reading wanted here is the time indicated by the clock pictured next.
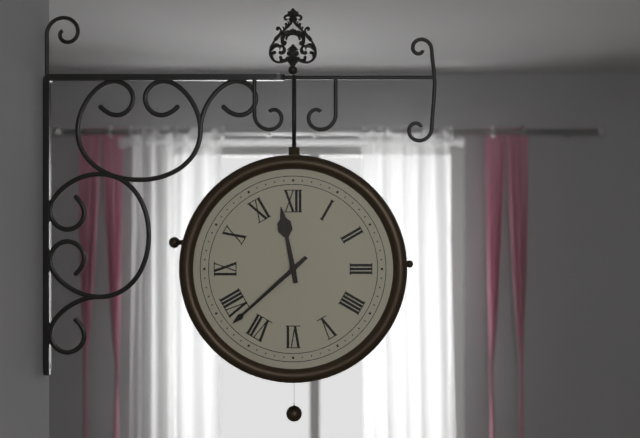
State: 11:38
